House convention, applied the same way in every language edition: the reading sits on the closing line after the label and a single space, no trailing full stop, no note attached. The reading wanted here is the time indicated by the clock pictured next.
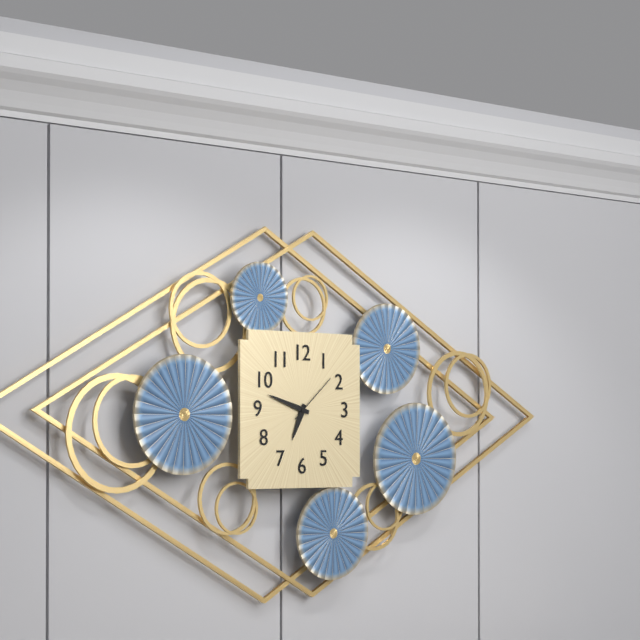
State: 6:48:08
